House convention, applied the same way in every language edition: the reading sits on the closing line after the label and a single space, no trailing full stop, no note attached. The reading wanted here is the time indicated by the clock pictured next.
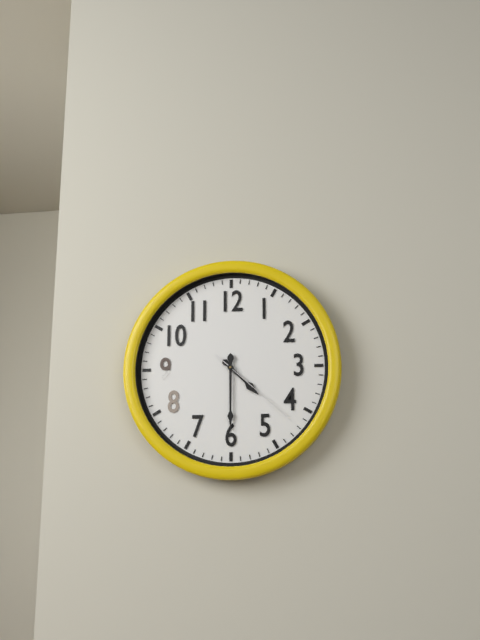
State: 4:30:22
